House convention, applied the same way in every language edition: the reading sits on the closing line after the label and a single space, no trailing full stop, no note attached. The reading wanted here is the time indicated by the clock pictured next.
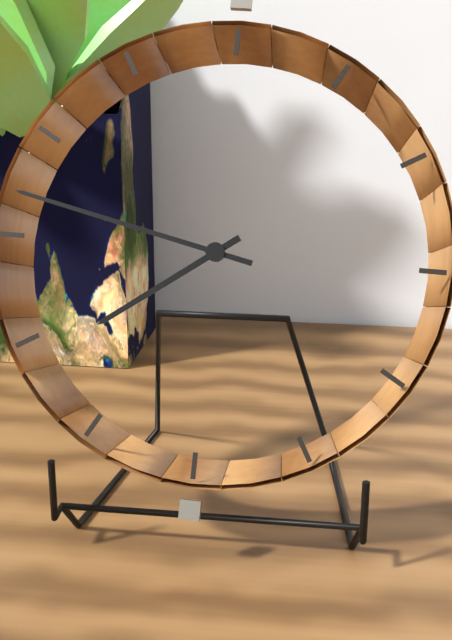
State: 7:47
